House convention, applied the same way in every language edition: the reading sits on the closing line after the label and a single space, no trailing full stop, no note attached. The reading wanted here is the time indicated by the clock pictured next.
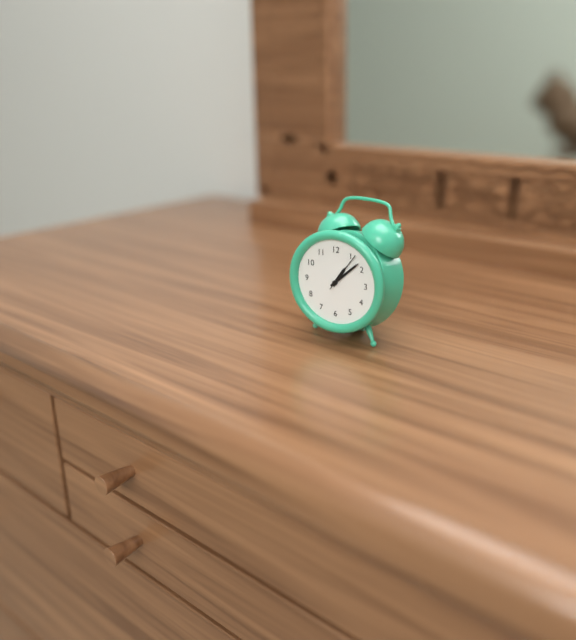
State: 1:08
